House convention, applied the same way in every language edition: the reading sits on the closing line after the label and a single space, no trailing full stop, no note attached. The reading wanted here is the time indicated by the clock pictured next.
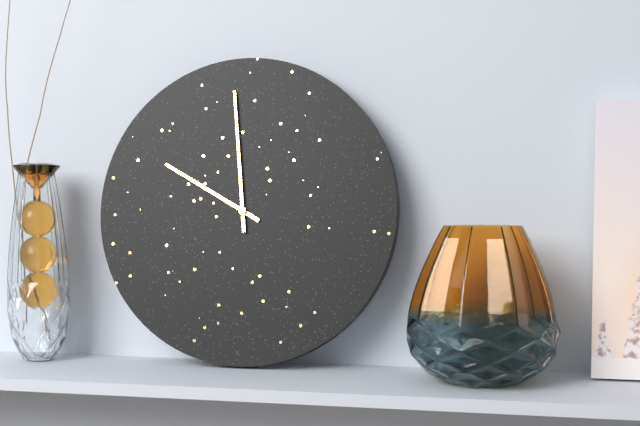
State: 9:59
